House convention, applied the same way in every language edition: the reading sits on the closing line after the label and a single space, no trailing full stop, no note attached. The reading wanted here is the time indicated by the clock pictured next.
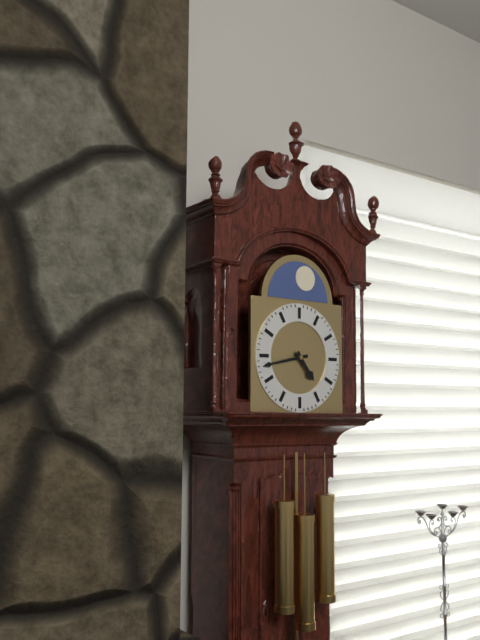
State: 4:43
